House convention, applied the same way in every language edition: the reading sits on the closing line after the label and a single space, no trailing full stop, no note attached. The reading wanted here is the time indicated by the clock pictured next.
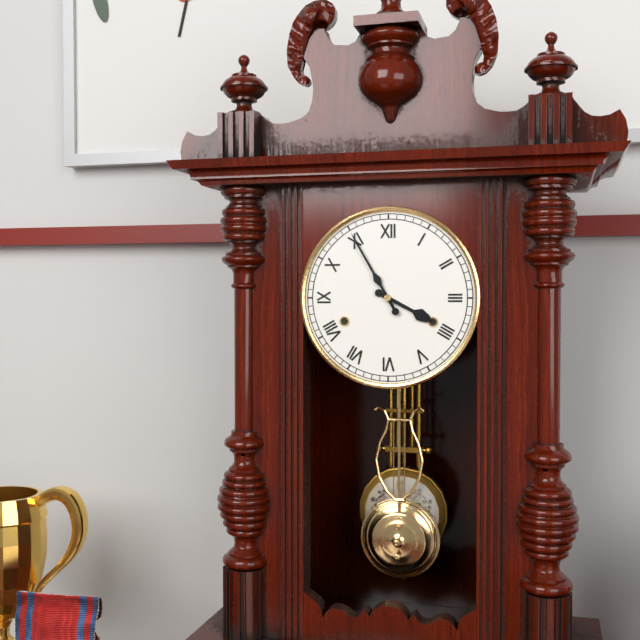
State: 3:55
